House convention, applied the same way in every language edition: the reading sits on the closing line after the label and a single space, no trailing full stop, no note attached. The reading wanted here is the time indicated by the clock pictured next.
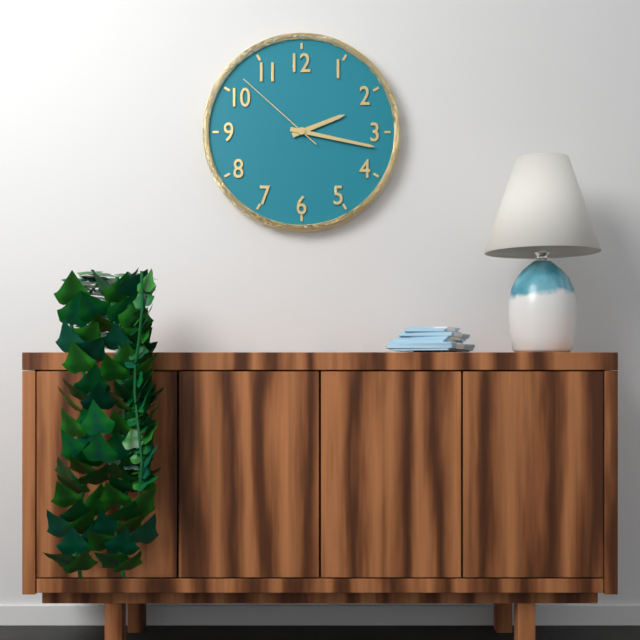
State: 2:17:52
